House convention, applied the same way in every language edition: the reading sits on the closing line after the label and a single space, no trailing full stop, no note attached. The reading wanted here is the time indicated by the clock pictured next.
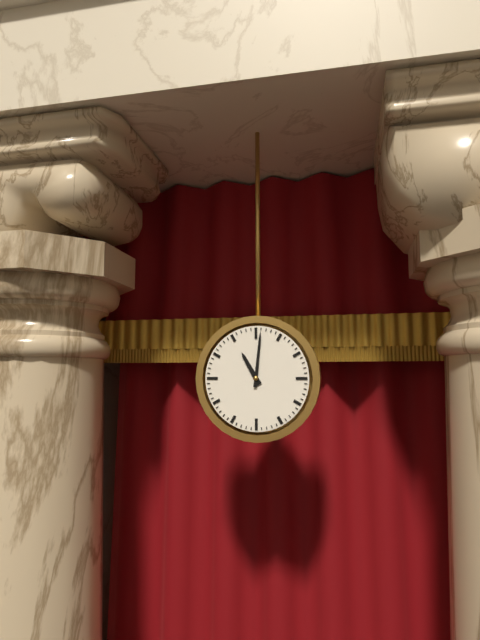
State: 11:01
